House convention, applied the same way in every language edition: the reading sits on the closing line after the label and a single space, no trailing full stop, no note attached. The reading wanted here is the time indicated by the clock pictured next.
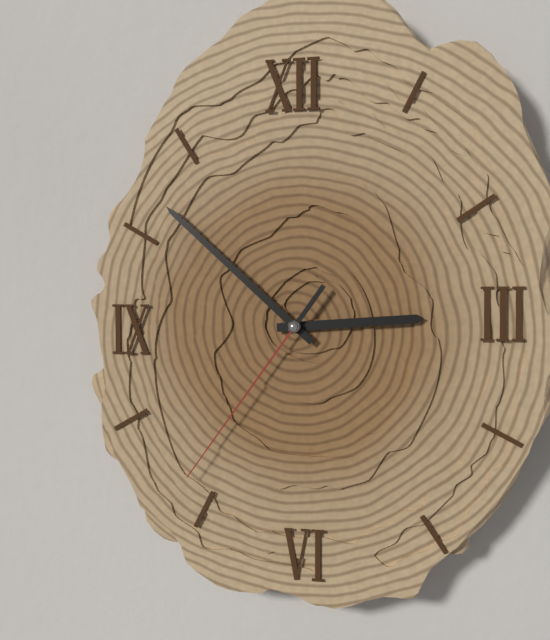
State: 2:52:36
